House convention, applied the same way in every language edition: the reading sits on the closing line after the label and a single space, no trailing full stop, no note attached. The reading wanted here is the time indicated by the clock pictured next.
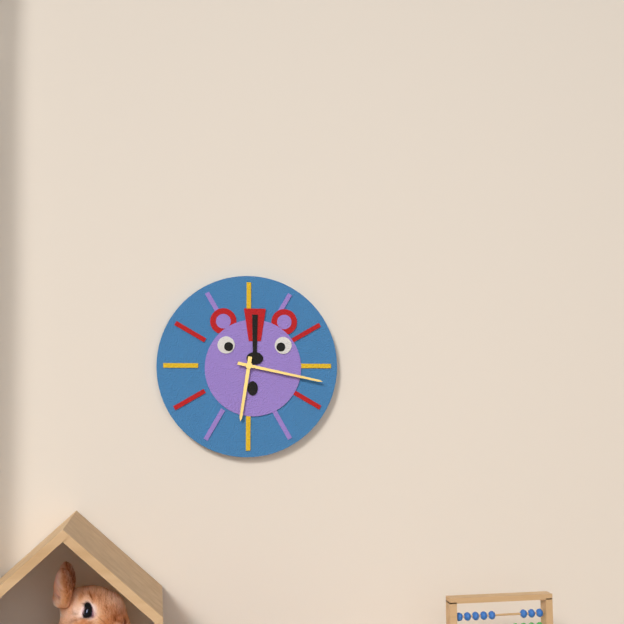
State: 6:17
